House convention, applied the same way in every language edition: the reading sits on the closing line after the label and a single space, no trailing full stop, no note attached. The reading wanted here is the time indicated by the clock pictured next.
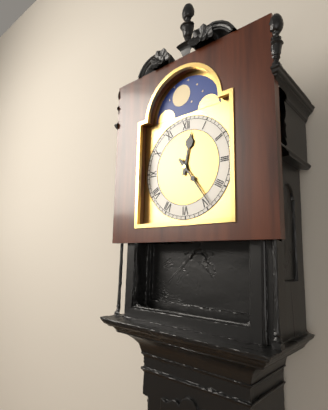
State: 12:24
